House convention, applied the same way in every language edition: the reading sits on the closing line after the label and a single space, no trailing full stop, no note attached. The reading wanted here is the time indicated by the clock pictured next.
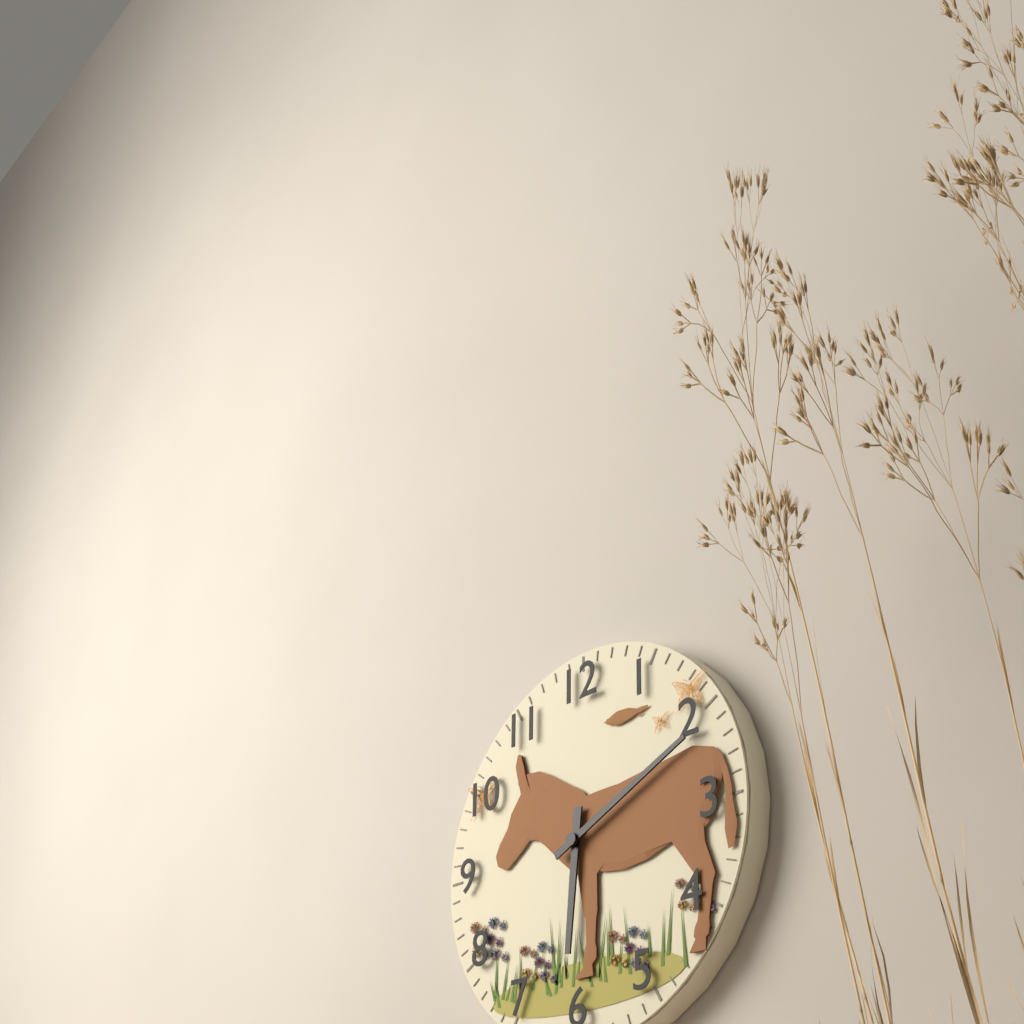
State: 6:11
